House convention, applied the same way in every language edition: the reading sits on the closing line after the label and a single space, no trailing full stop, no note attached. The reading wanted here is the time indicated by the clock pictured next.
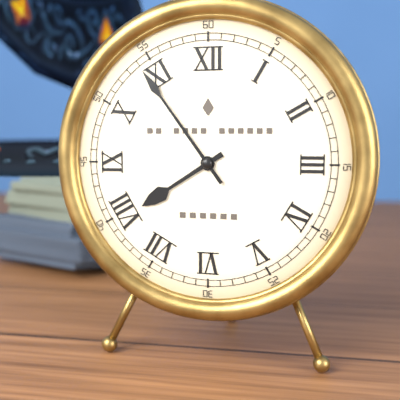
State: 7:54
